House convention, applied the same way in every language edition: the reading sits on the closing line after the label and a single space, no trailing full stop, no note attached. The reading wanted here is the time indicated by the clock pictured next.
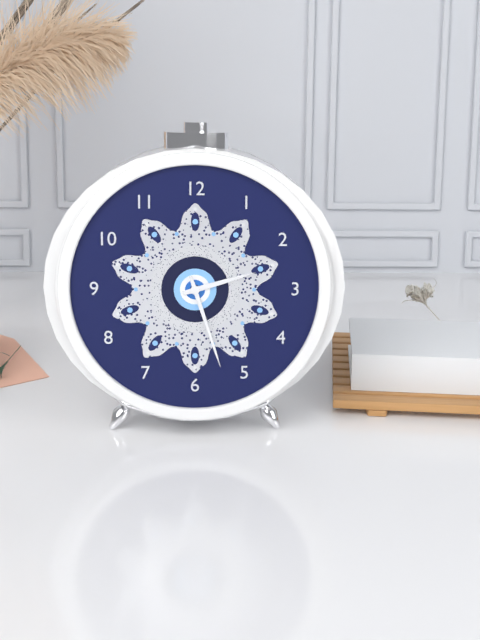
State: 2:27
